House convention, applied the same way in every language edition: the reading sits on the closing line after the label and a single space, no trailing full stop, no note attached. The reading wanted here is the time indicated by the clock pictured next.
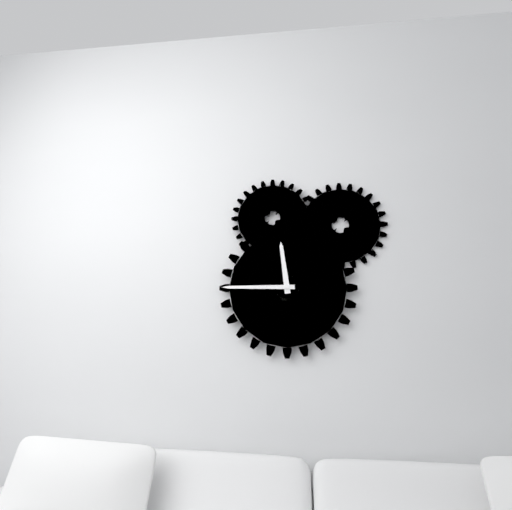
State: 11:45
